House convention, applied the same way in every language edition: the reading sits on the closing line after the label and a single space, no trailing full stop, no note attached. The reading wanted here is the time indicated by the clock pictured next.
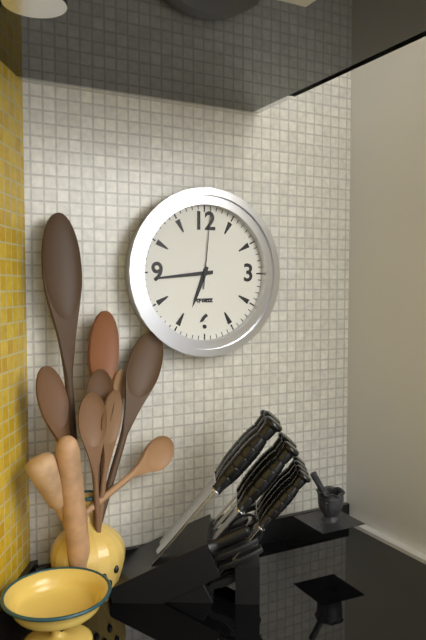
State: 6:44:01
